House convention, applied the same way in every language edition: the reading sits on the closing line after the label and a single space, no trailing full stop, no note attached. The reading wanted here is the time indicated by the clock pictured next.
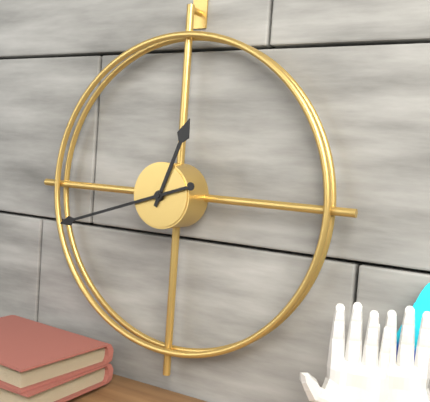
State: 12:42
